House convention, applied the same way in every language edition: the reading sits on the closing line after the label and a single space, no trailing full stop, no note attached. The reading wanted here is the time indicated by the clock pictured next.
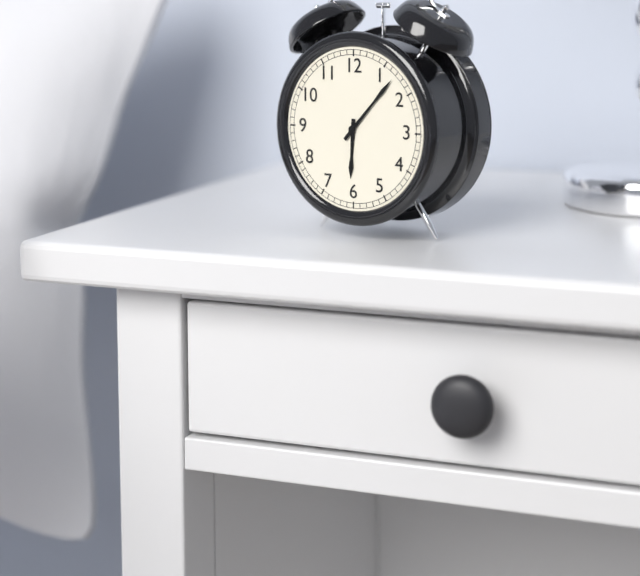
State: 6:07
